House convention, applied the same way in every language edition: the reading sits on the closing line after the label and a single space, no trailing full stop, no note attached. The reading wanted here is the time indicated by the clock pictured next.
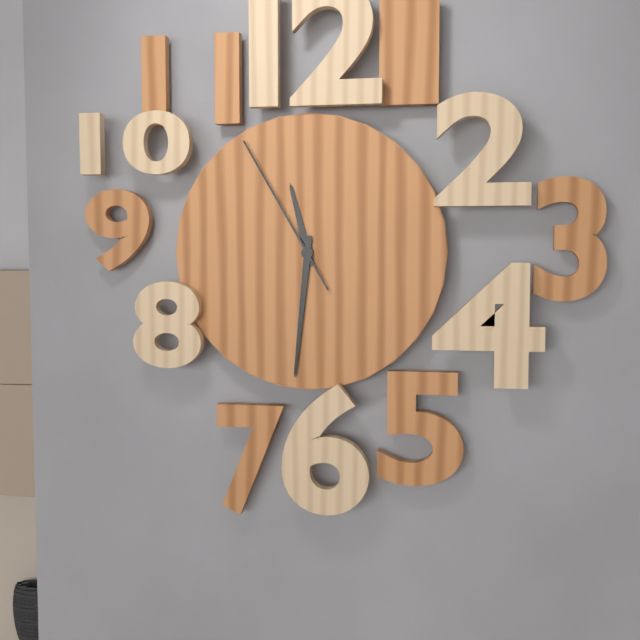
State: 11:31:55
